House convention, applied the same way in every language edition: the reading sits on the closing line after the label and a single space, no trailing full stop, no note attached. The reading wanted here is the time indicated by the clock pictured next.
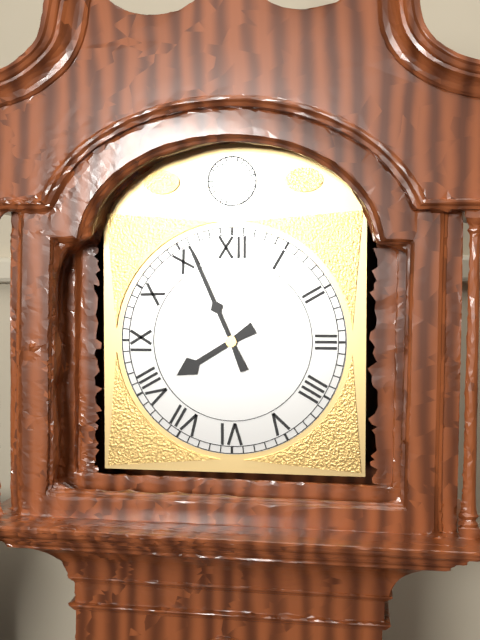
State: 7:56
